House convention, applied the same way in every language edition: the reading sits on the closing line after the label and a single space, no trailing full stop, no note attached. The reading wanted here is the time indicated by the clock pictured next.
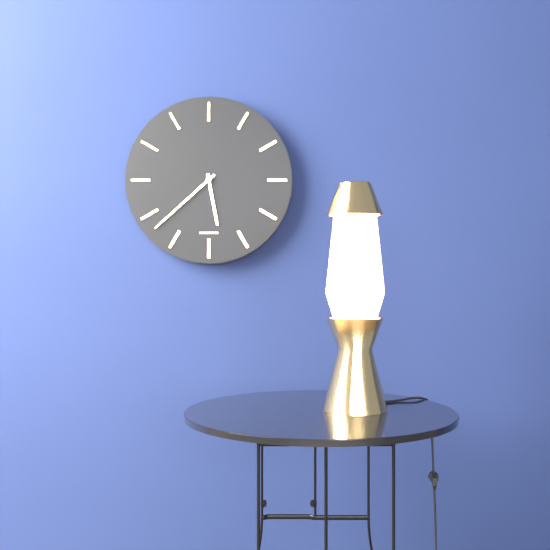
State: 5:38
